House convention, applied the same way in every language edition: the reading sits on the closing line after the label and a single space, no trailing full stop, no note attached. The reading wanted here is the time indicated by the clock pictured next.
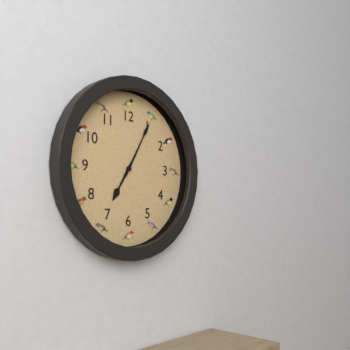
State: 7:05
